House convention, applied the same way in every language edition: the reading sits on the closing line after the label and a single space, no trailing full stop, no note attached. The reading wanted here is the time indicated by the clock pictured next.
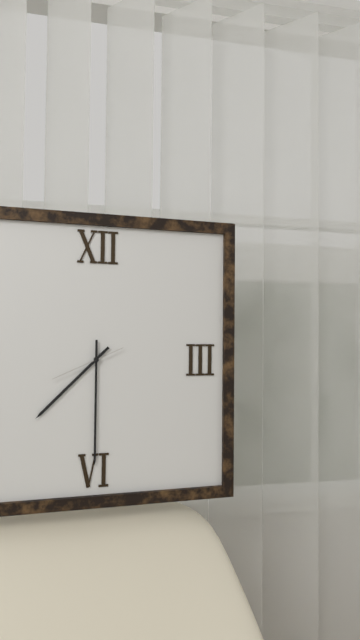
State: 7:30:41
